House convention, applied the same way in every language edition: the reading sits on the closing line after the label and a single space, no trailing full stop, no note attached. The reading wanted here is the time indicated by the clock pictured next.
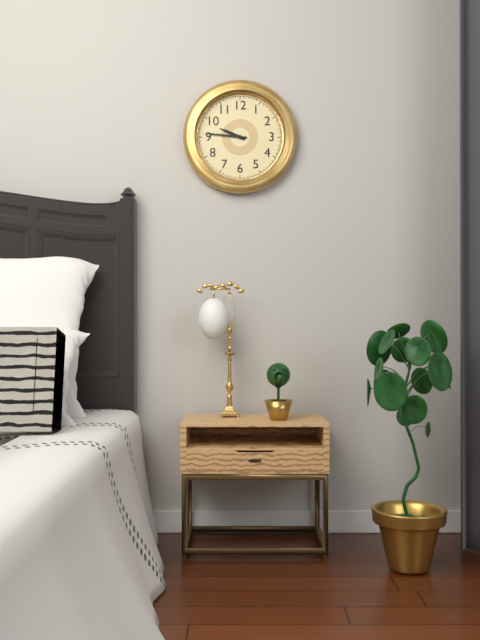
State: 9:46
